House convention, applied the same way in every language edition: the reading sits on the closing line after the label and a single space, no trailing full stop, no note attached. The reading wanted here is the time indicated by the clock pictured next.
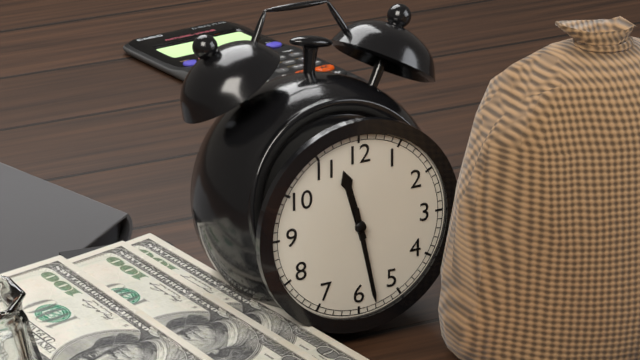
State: 11:28
